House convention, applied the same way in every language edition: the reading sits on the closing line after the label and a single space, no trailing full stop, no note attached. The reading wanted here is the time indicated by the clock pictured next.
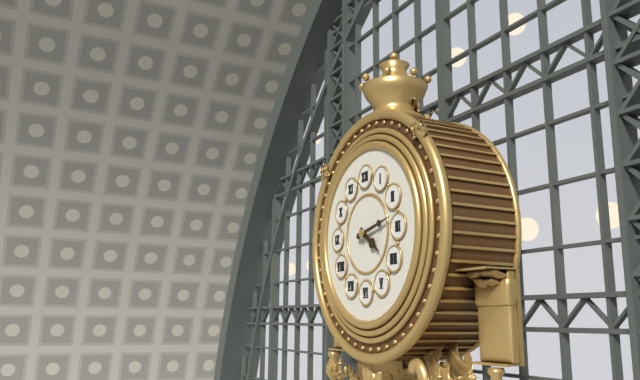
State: 4:13
